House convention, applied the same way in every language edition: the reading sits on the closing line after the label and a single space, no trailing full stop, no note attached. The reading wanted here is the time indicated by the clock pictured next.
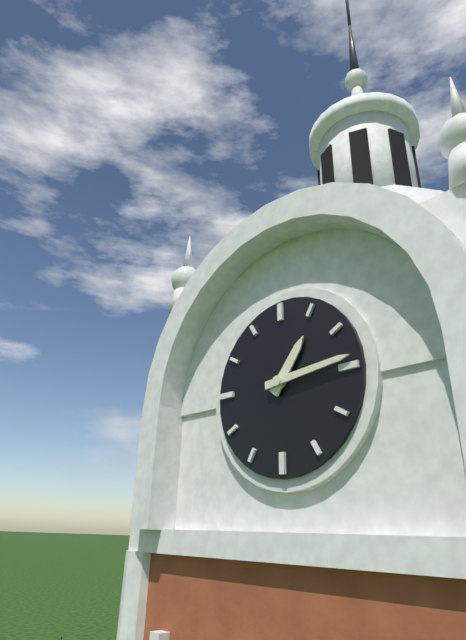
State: 1:14
